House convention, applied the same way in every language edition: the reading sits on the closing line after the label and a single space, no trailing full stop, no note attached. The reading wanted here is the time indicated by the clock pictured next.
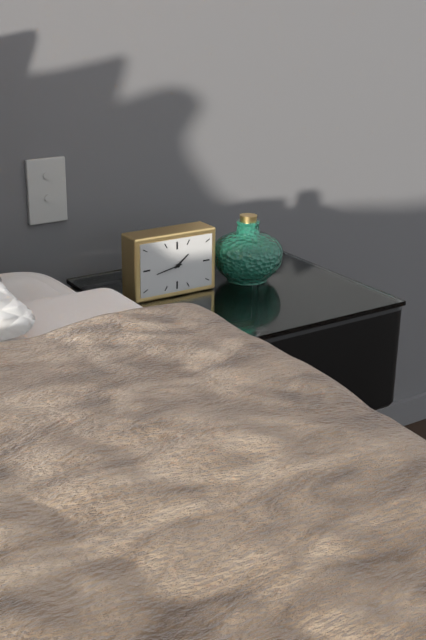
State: 1:43
